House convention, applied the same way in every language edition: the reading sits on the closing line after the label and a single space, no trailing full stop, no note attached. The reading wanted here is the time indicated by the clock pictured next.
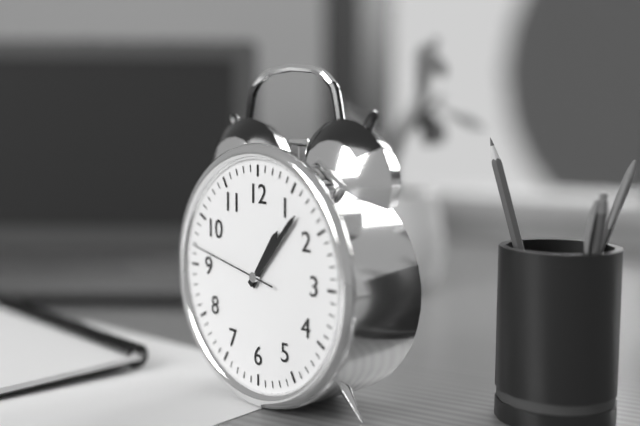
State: 1:07:47
